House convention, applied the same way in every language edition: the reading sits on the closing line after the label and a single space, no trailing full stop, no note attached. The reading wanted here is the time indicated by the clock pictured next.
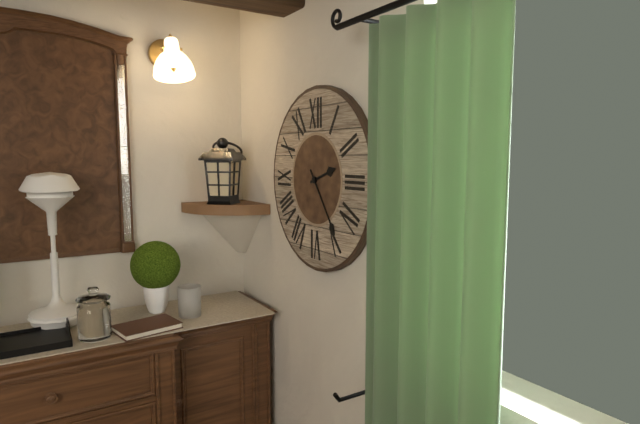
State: 2:24
